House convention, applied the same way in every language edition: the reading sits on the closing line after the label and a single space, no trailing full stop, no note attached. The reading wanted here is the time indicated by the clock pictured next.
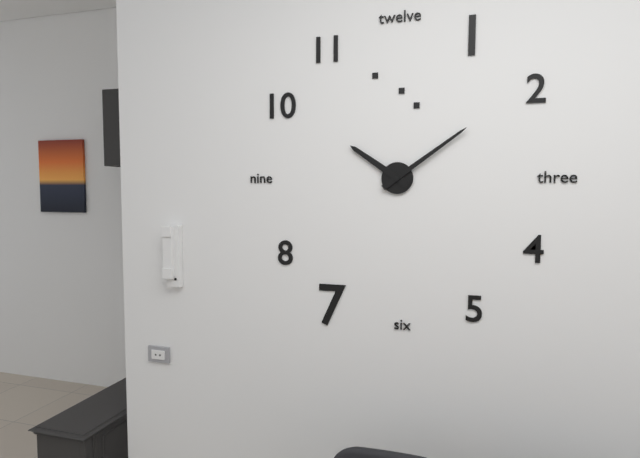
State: 10:09
